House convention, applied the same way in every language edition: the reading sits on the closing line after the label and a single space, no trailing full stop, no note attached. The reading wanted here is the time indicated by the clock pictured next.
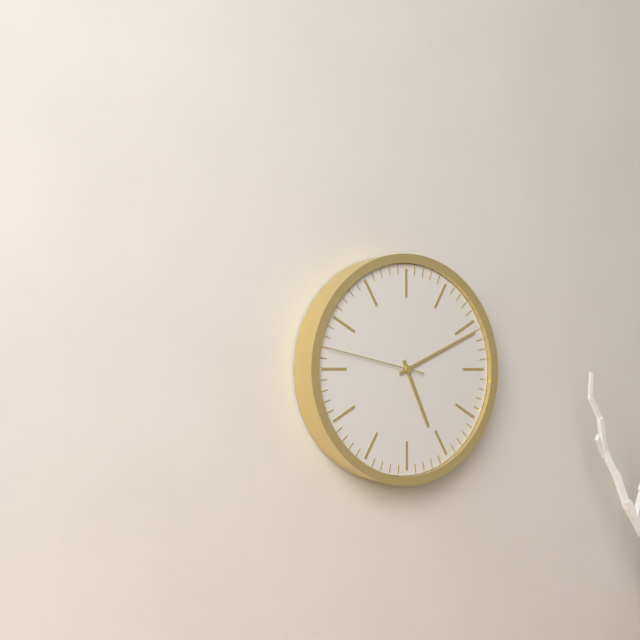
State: 5:11:47
